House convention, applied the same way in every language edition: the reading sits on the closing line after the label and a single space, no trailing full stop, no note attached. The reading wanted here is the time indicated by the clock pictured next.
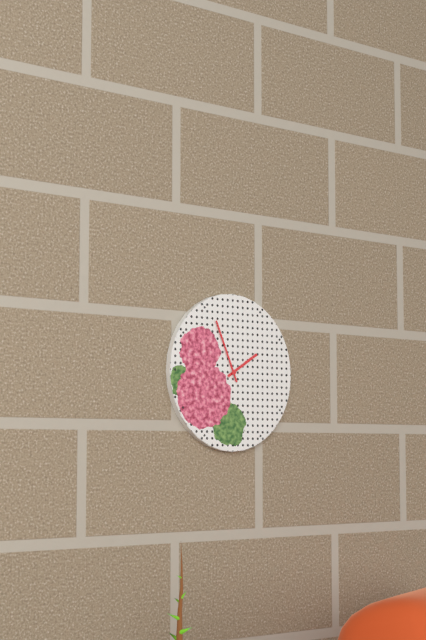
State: 1:56
